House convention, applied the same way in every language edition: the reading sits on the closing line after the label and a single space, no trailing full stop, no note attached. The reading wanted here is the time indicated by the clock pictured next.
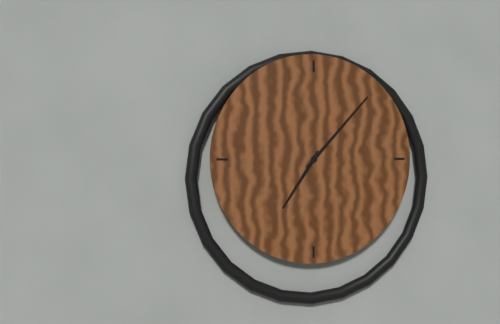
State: 7:07
